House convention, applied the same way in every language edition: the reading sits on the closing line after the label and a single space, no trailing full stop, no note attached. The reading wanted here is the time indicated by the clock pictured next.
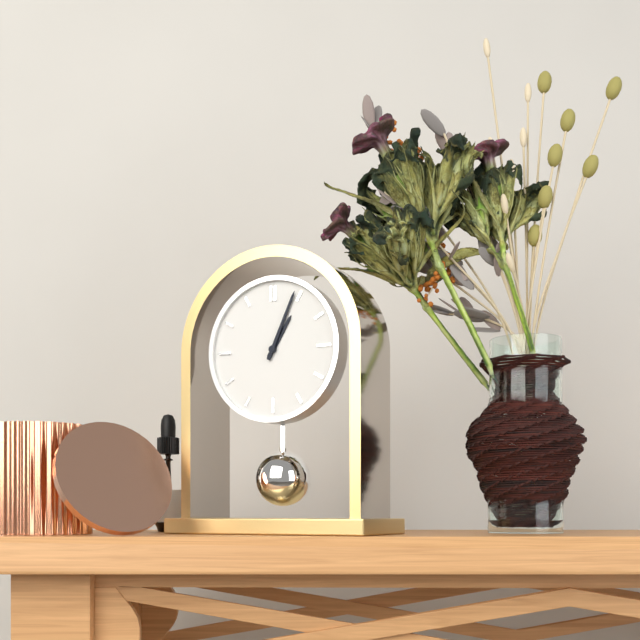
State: 1:04
